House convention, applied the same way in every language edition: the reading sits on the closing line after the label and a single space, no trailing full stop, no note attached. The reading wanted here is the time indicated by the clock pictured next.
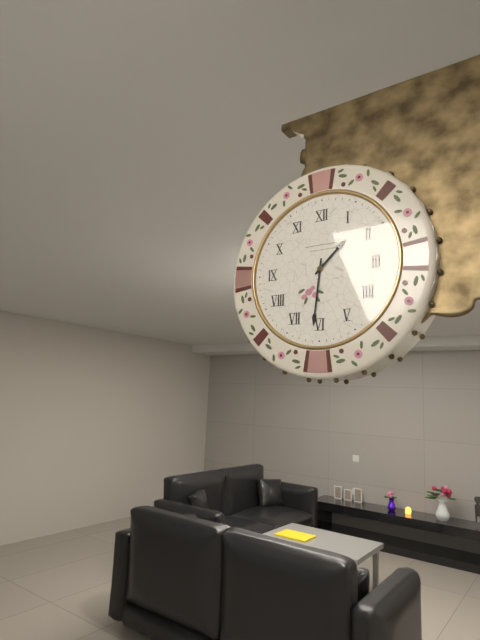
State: 1:31
